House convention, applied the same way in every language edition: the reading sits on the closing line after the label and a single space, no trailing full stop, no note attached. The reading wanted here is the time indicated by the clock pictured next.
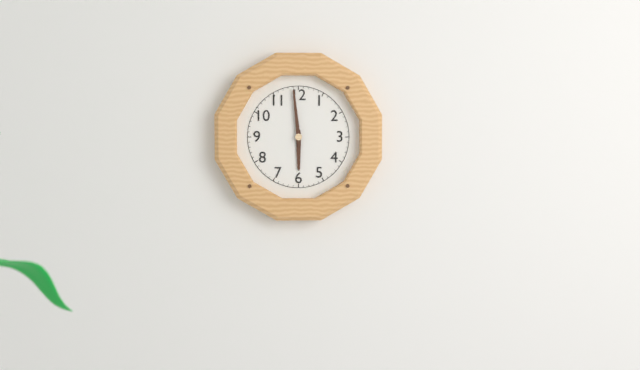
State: 5:59
